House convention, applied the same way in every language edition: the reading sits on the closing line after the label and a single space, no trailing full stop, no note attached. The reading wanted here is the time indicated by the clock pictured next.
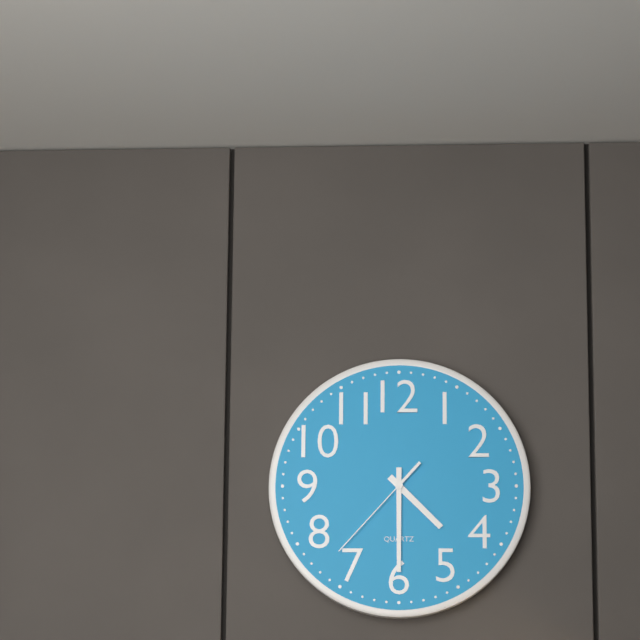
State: 4:30:37
